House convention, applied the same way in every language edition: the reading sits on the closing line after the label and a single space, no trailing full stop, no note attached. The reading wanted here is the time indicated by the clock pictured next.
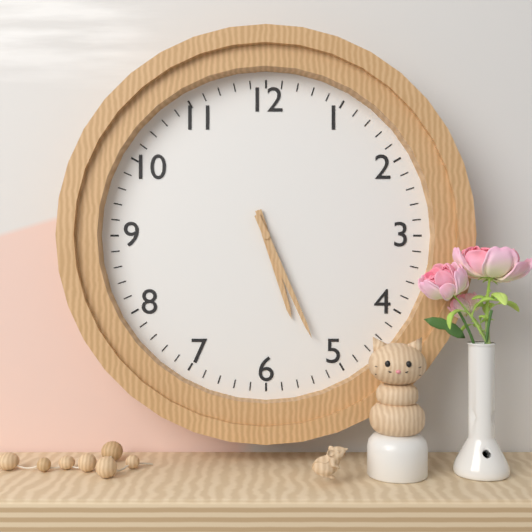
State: 5:26
